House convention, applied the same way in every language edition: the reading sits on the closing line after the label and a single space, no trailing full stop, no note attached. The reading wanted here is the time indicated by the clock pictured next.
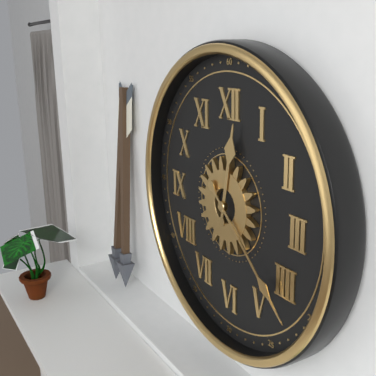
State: 12:22
